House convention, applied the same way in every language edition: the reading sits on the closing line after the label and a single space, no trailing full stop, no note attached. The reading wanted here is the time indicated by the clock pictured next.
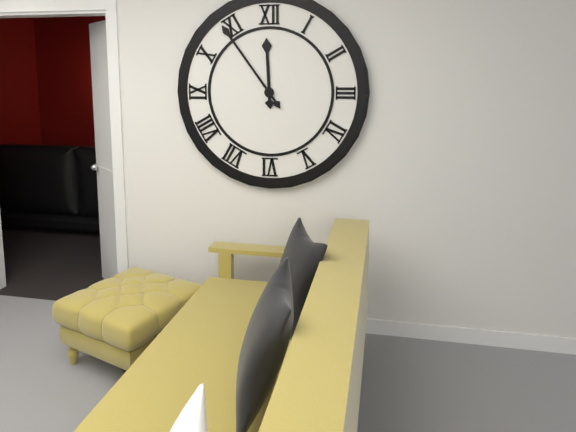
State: 11:54
